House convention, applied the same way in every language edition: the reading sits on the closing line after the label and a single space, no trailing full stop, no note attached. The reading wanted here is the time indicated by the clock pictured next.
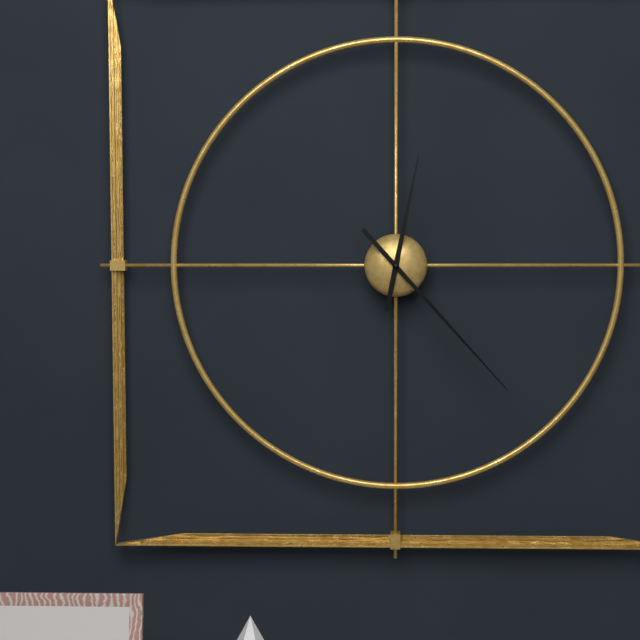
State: 12:23
